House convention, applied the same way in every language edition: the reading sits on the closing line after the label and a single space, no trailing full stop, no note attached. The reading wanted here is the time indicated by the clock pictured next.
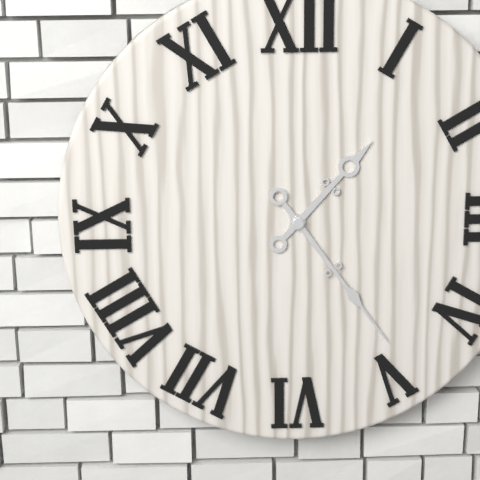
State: 1:24
